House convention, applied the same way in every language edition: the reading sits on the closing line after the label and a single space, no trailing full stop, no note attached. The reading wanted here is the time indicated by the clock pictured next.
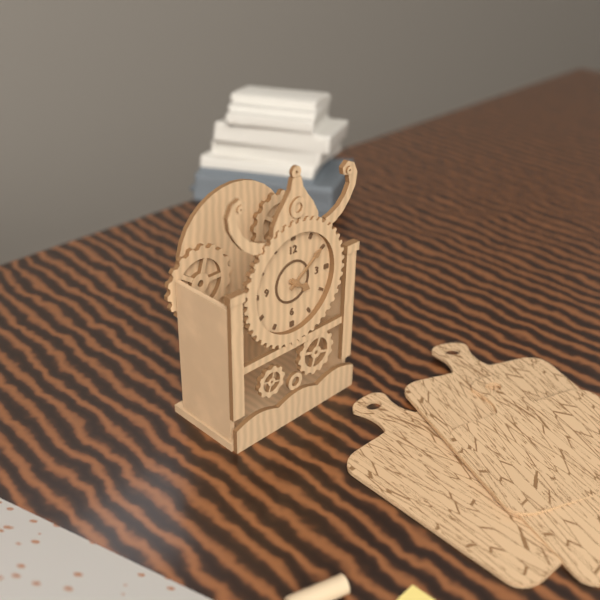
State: 4:09
